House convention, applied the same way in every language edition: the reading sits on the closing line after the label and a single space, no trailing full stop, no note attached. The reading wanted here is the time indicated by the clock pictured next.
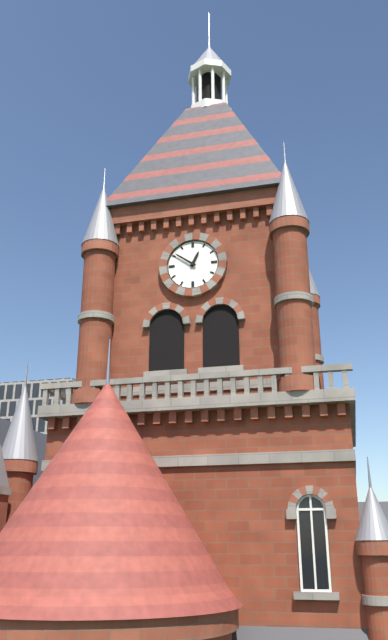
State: 12:51
